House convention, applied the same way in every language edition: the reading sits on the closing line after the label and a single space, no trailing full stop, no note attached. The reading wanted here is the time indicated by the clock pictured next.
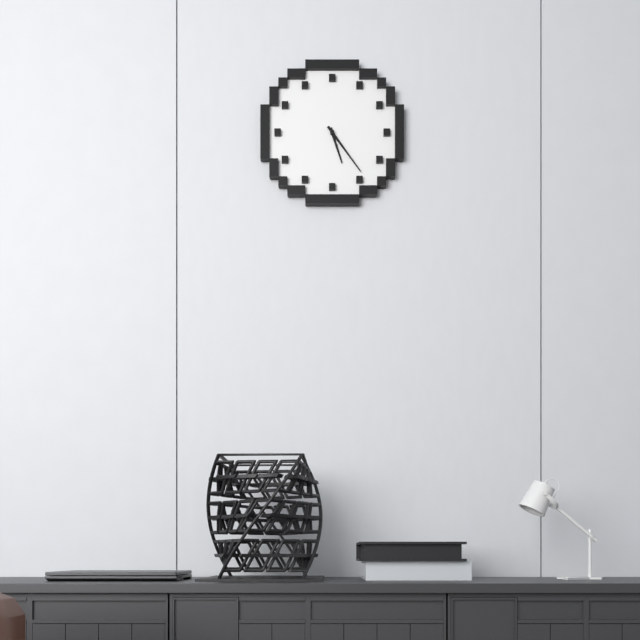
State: 5:24
